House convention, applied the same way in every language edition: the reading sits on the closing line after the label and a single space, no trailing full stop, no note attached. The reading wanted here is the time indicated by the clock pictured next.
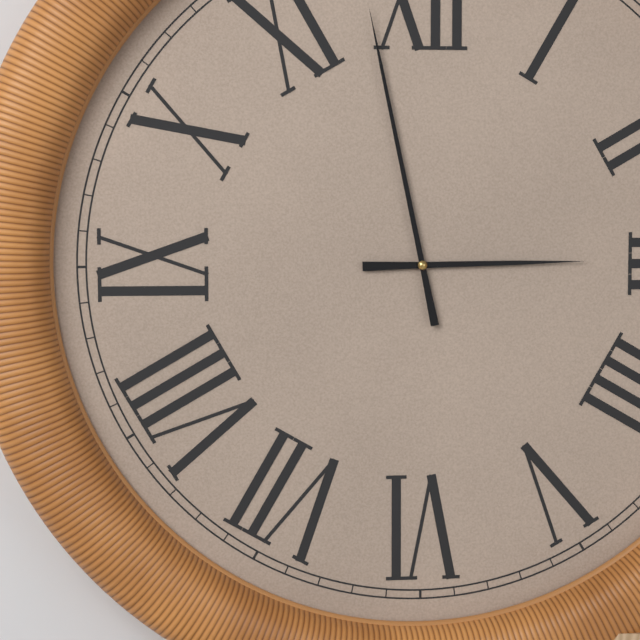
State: 2:58
